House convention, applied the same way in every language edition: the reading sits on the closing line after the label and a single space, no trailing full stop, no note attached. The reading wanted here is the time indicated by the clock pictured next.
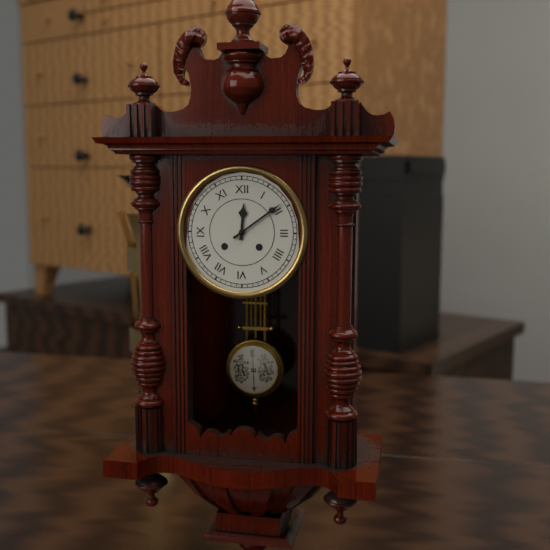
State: 12:09
